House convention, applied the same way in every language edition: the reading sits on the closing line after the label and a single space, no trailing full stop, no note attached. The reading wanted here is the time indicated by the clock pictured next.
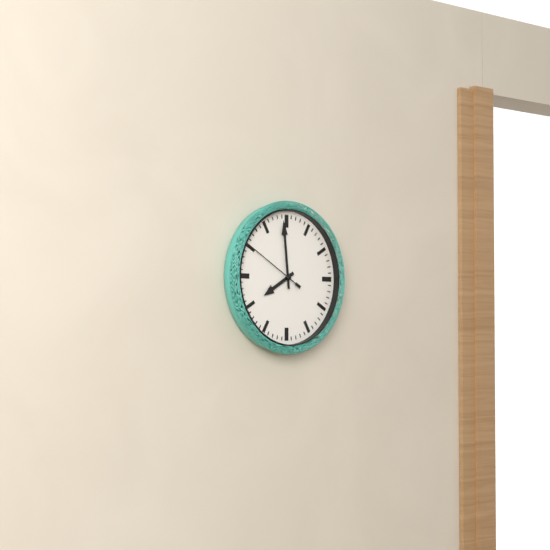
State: 7:59:50
